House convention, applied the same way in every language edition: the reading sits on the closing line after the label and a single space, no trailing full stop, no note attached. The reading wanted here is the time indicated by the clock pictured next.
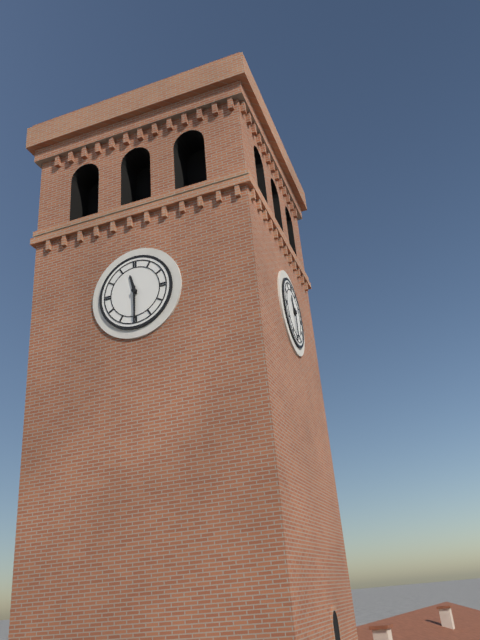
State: 11:30
